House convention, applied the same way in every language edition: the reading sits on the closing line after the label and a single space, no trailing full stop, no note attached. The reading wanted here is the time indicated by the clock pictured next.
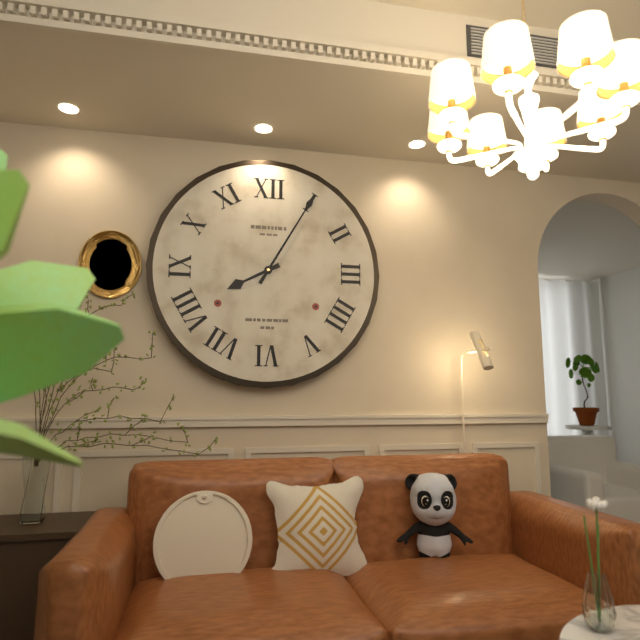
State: 8:05
